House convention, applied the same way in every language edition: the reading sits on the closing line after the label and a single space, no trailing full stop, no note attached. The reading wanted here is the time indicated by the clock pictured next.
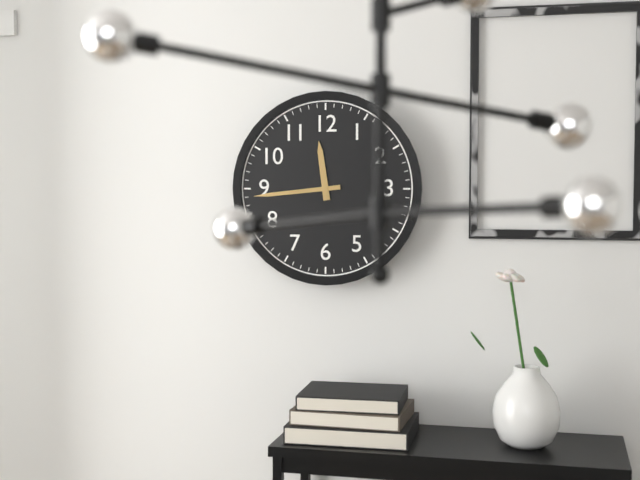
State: 11:44
